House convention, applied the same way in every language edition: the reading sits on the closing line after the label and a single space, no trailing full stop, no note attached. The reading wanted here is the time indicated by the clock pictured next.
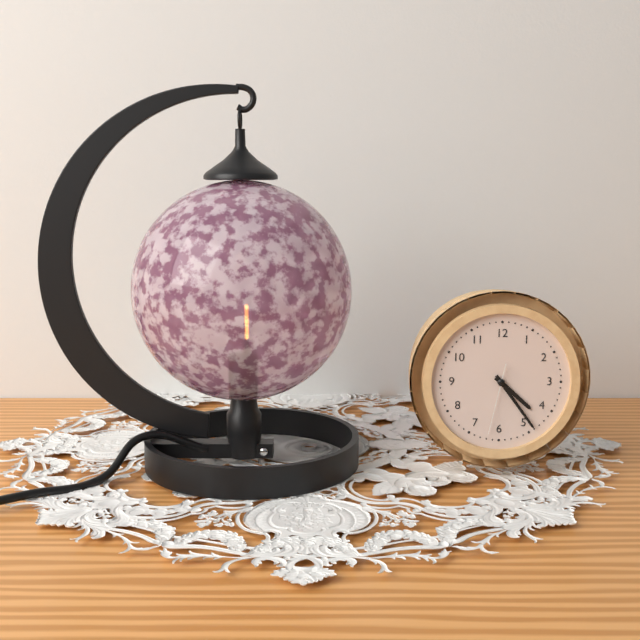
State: 4:24:32
